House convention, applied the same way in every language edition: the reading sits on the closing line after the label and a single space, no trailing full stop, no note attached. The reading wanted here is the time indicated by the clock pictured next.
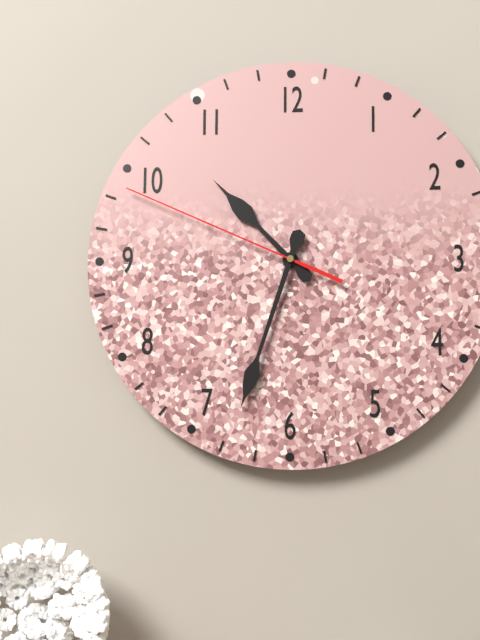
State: 10:33:49
